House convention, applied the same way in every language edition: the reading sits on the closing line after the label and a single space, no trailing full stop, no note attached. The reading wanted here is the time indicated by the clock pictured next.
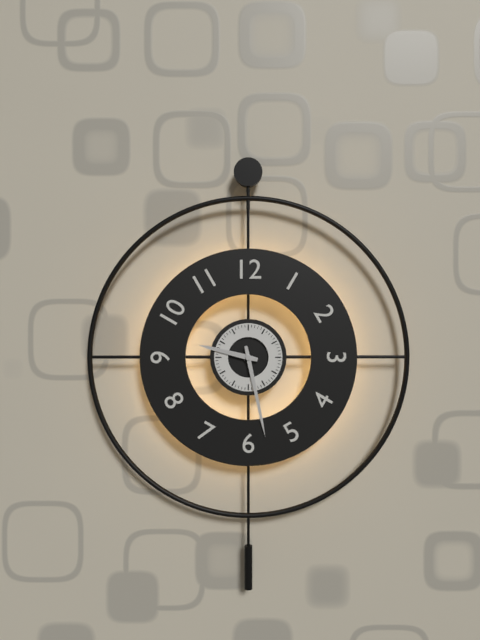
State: 9:28
